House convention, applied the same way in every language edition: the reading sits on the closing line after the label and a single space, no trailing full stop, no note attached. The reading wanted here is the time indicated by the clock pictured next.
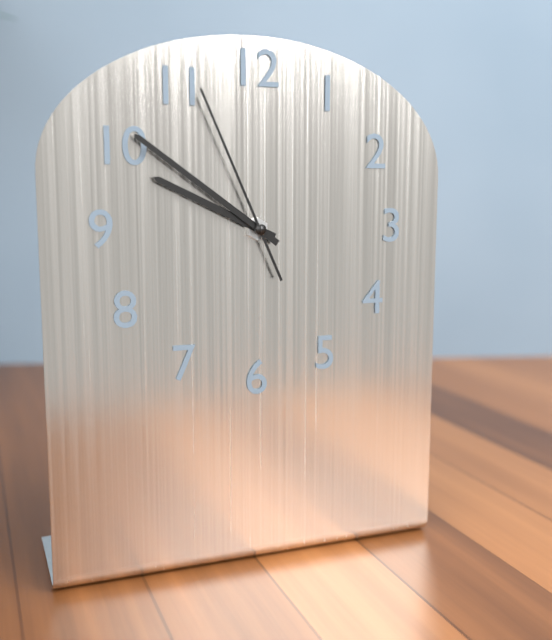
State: 9:51:56
